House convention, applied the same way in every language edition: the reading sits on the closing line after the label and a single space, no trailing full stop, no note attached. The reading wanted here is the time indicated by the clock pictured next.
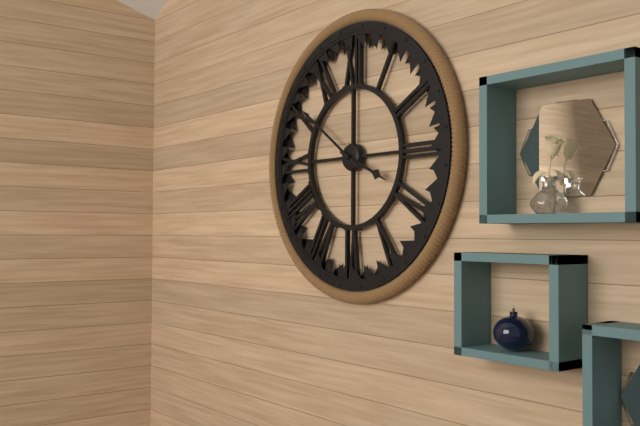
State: 3:51
